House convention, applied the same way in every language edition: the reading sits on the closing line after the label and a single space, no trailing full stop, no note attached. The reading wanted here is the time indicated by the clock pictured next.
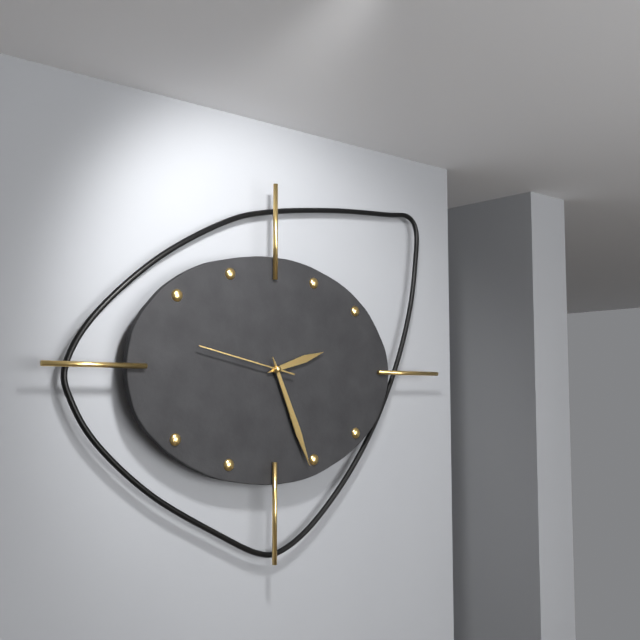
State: 2:26:47
